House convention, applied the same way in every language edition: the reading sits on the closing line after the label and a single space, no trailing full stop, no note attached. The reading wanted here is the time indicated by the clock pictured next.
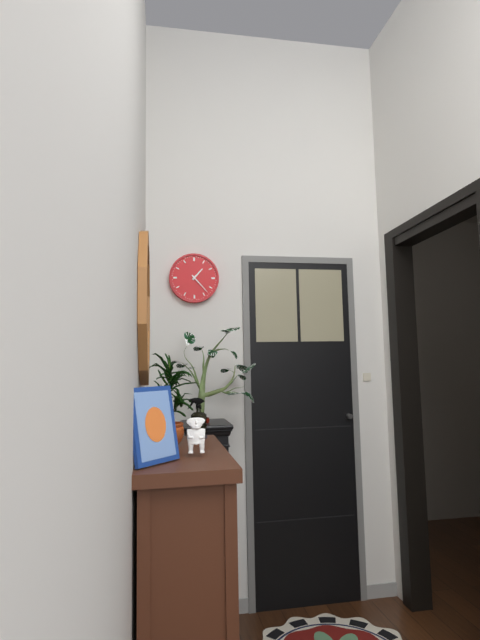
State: 1:23
